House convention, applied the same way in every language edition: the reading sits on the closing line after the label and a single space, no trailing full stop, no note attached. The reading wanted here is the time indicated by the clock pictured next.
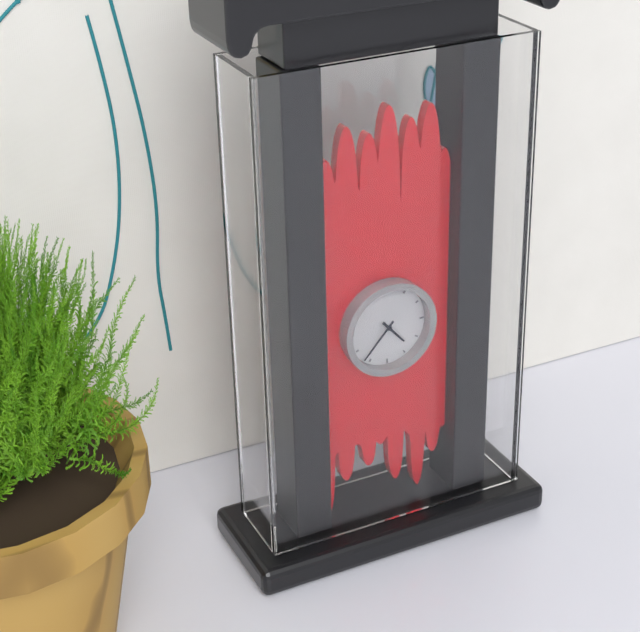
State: 4:37
